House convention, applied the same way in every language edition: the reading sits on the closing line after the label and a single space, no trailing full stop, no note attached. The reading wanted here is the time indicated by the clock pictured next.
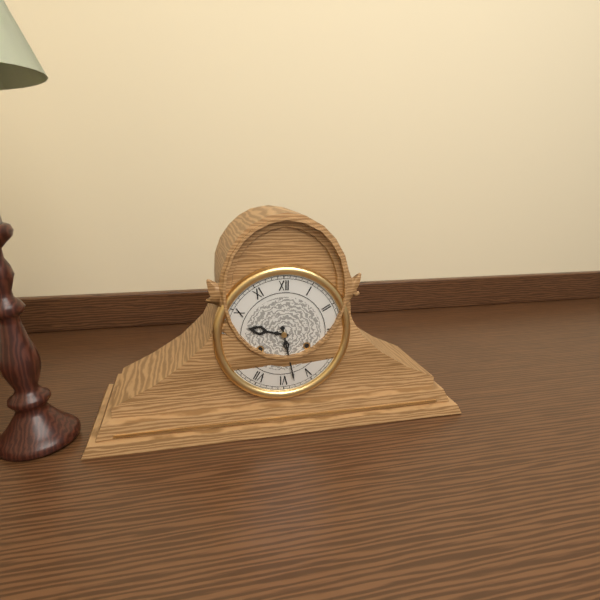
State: 9:28
